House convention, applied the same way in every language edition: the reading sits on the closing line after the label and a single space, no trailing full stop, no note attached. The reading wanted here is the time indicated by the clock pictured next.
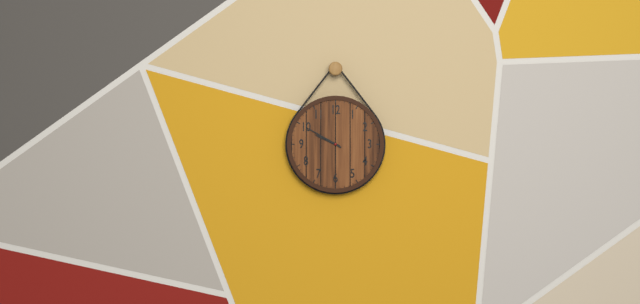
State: 9:50
